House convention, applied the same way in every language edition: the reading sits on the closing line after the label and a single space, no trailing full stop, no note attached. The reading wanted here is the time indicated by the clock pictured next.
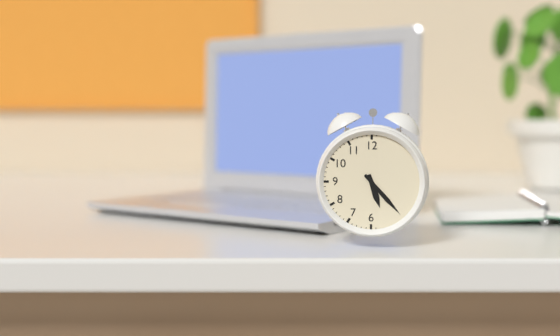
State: 5:23
